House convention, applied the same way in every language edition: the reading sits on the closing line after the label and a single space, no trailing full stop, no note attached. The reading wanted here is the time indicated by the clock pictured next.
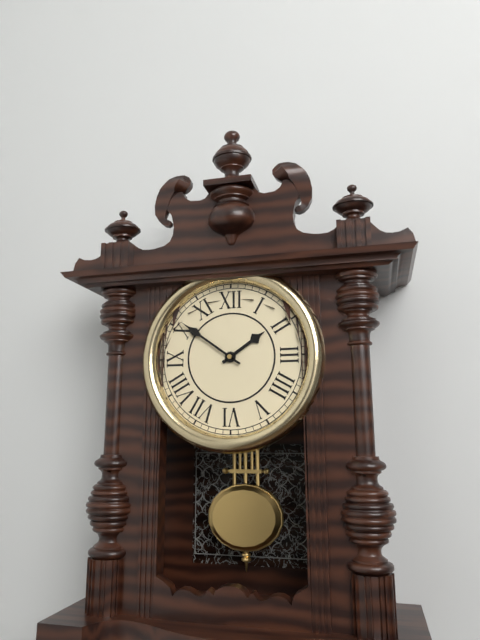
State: 1:51
